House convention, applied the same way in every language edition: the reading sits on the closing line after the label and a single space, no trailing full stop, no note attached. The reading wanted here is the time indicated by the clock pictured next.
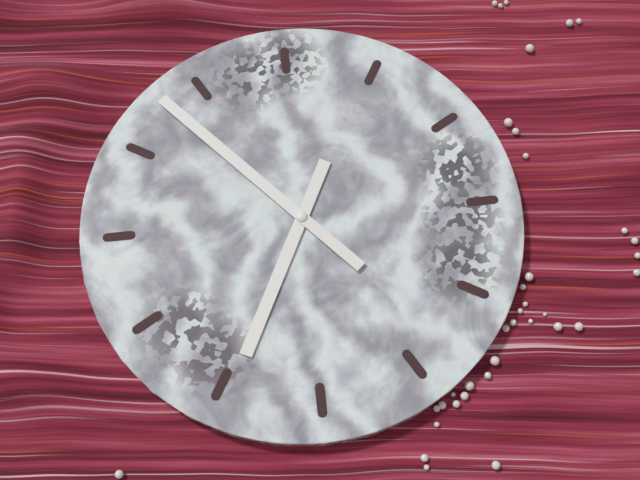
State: 6:53
